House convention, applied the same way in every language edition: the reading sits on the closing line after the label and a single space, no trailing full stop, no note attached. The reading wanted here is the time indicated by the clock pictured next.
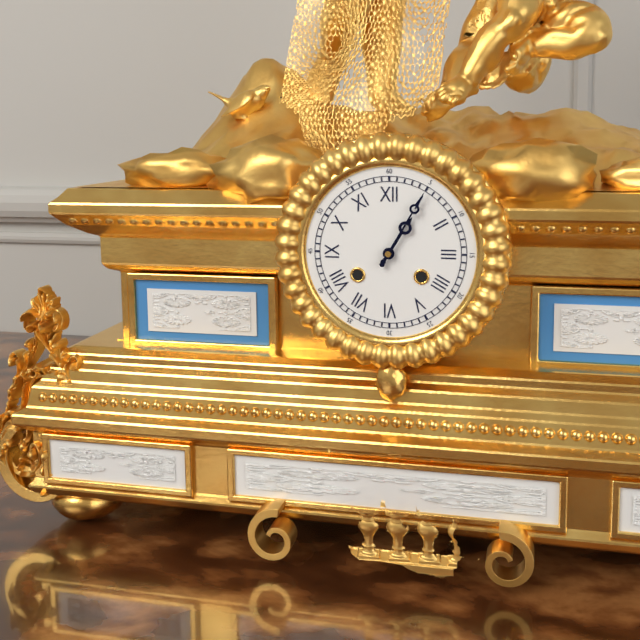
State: 1:05
